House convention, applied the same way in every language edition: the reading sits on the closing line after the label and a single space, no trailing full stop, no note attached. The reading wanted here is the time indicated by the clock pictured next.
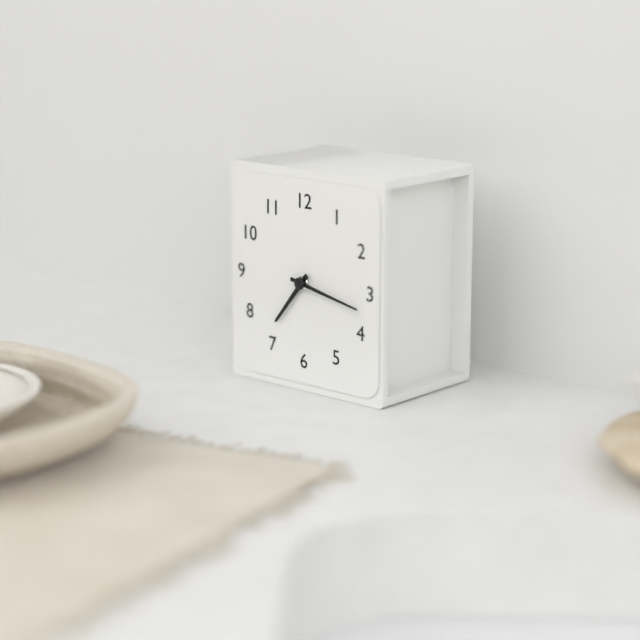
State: 7:17
